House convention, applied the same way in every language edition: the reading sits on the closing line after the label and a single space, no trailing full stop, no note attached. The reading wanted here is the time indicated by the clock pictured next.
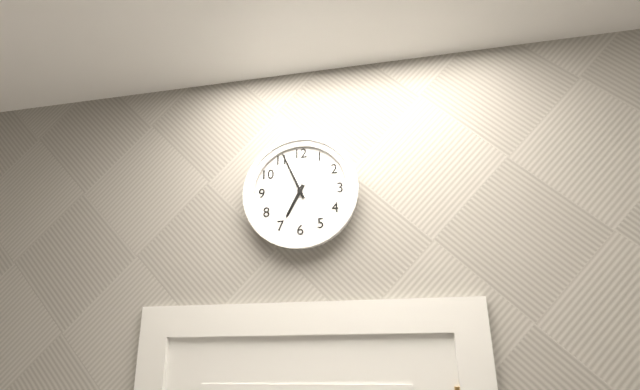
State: 6:56
